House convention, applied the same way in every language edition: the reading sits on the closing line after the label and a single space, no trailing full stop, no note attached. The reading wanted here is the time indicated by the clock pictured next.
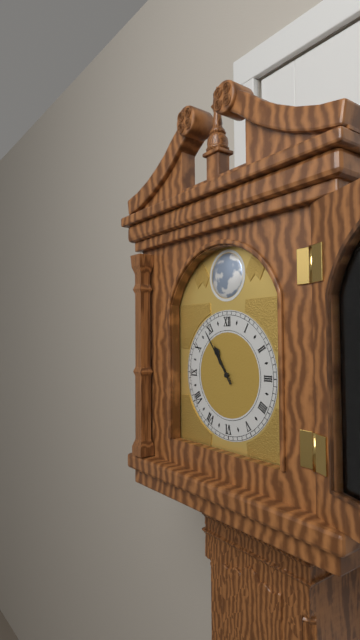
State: 10:54
